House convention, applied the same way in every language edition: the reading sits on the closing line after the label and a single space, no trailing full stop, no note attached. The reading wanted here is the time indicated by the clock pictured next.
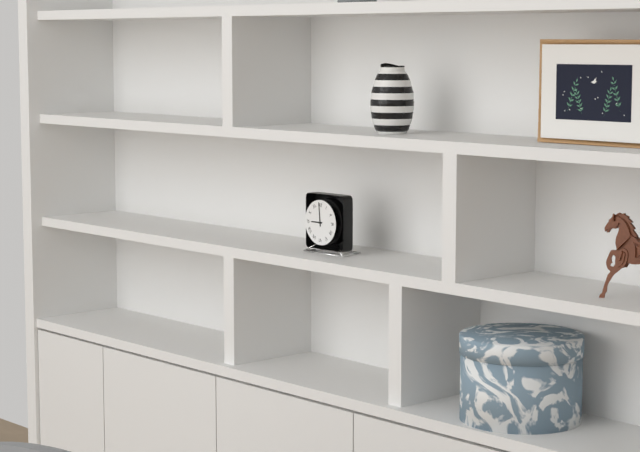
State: 8:59
